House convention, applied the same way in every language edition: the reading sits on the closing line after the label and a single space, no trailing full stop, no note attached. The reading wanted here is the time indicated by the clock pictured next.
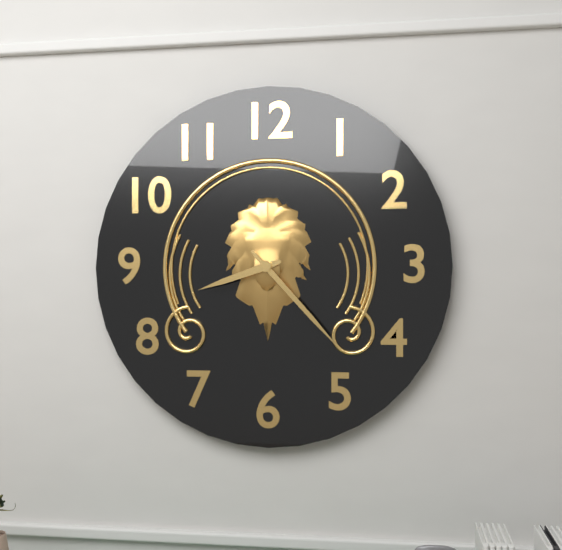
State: 8:23
